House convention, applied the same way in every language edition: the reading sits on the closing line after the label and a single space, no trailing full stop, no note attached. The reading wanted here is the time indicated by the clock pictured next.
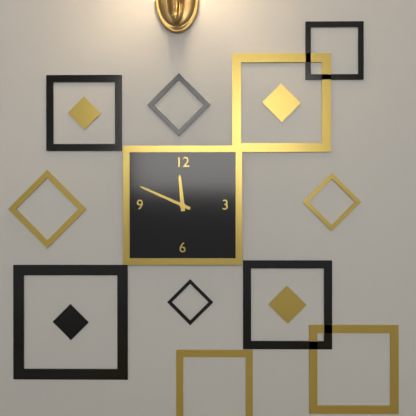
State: 11:49
